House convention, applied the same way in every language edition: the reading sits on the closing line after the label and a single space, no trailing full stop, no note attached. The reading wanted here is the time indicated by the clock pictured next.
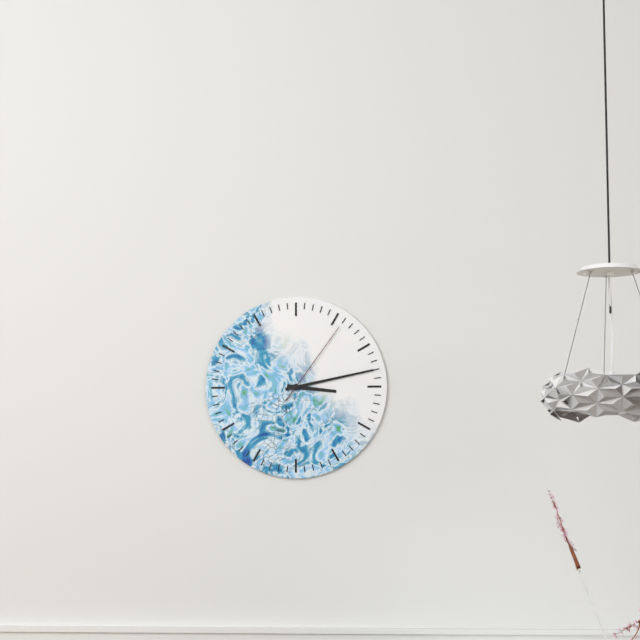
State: 3:13:06
